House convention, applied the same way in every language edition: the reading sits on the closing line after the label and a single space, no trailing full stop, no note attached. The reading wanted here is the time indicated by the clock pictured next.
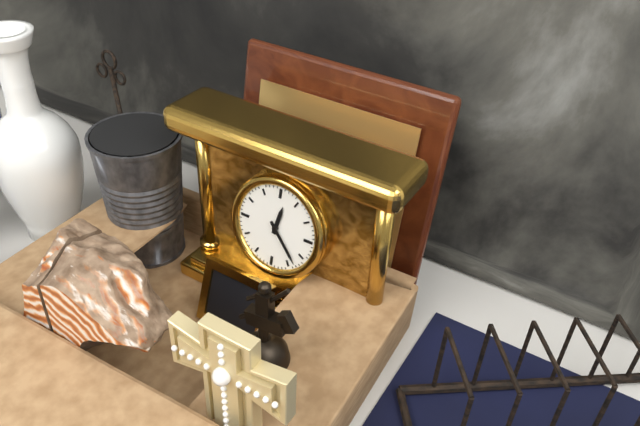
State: 12:23
